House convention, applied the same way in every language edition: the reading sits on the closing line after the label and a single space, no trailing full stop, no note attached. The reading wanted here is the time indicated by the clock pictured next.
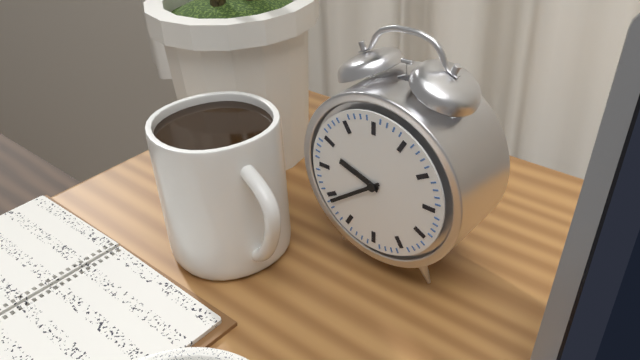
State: 9:39
